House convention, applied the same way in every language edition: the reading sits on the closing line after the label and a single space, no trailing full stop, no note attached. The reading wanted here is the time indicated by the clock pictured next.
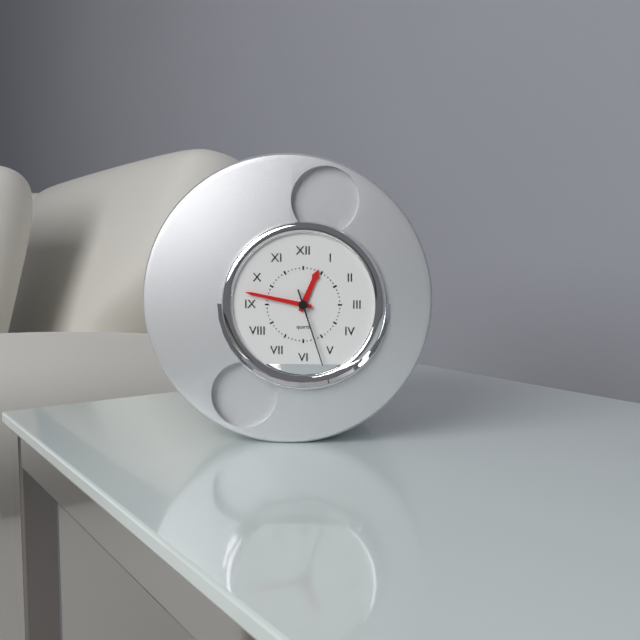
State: 12:47:27
